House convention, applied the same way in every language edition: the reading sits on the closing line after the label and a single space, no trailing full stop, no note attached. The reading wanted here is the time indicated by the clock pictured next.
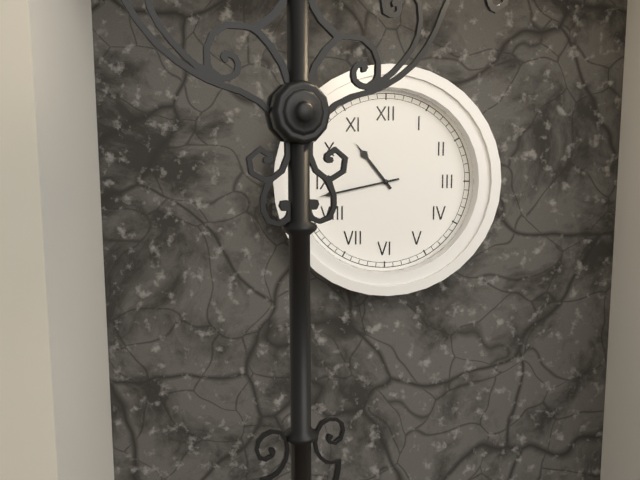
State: 10:43
